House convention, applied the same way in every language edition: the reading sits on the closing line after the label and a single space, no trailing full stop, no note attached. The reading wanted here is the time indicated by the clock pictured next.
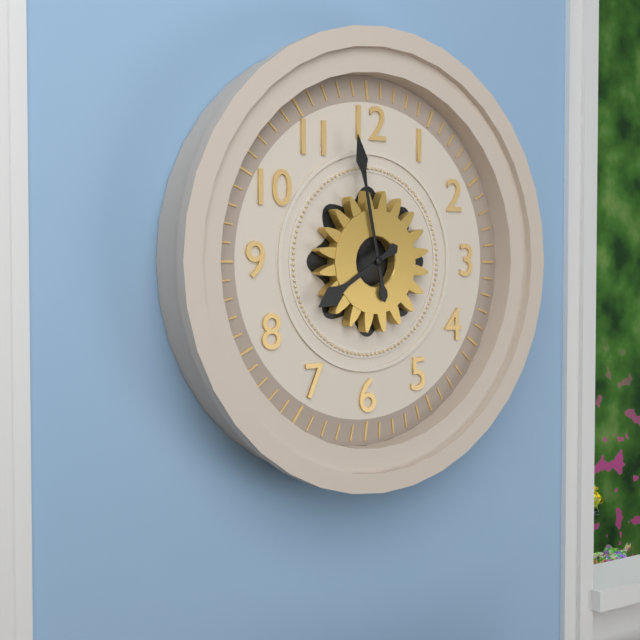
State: 7:58
